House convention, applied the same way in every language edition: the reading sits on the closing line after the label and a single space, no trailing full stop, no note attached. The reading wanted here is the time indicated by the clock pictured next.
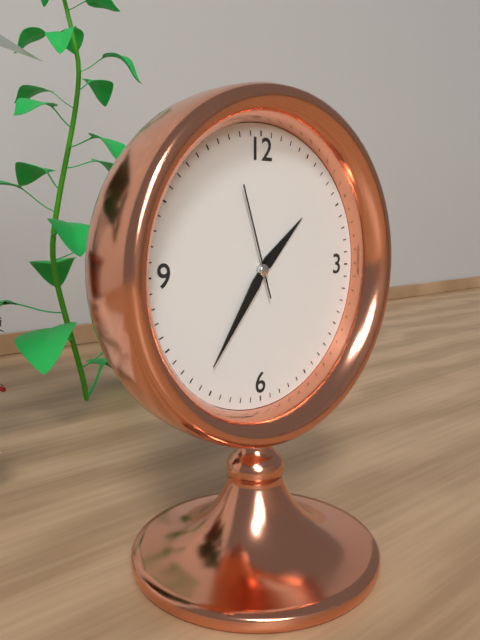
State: 1:36:57
